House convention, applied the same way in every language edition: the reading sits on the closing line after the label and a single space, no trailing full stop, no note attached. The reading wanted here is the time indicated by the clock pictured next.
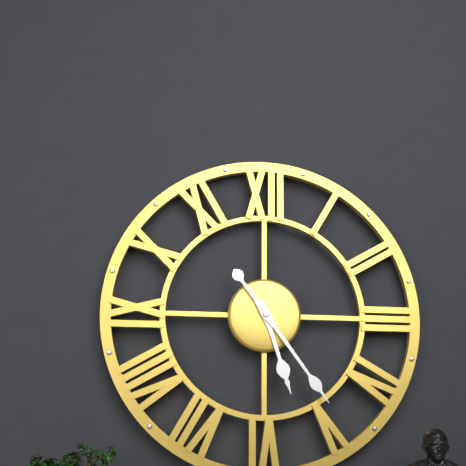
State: 5:24
